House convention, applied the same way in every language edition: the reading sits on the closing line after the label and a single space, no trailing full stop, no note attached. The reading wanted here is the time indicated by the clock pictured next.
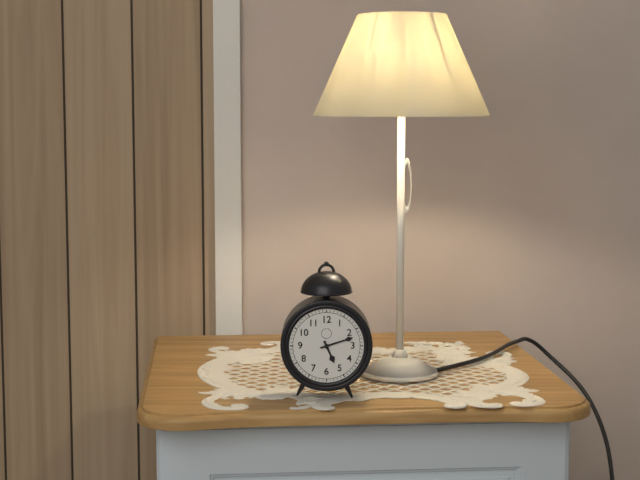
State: 5:12
